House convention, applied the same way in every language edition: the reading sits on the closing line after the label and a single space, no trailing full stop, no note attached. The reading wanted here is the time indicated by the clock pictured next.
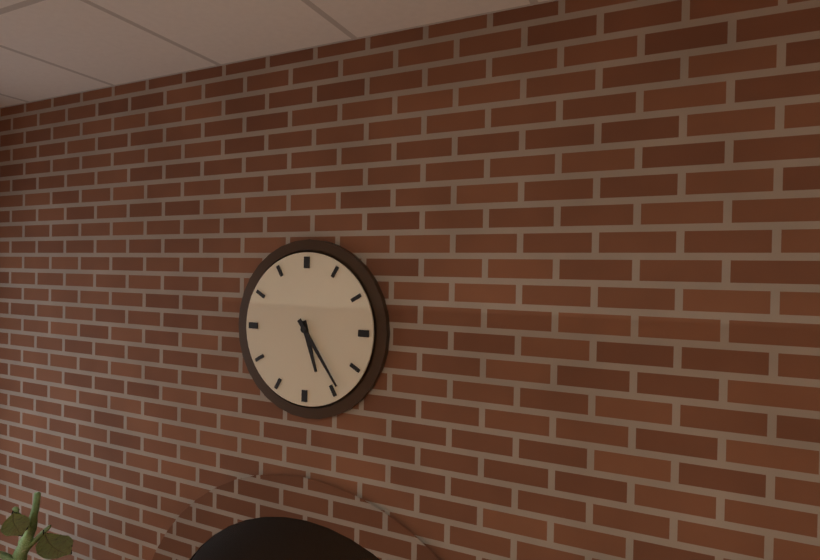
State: 5:24
